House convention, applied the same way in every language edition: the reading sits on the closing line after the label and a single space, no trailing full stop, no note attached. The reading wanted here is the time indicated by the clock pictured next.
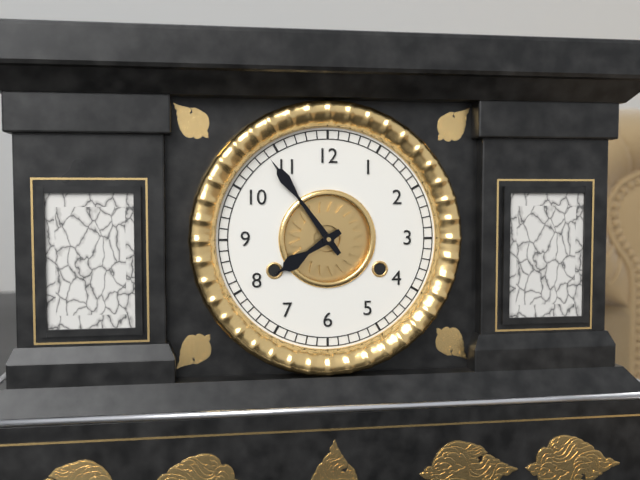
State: 7:54
